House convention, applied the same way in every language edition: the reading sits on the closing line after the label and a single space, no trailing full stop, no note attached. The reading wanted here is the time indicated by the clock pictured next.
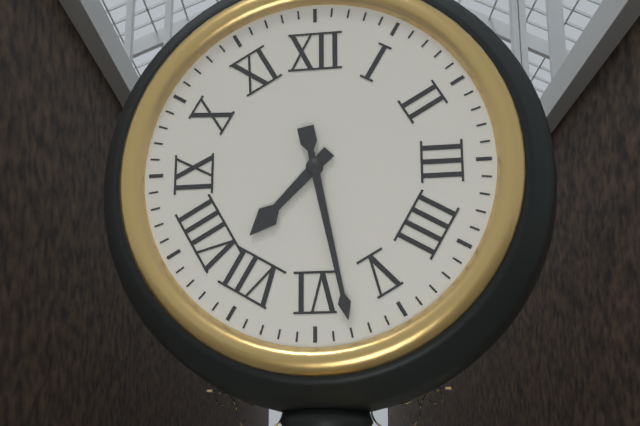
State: 7:28
